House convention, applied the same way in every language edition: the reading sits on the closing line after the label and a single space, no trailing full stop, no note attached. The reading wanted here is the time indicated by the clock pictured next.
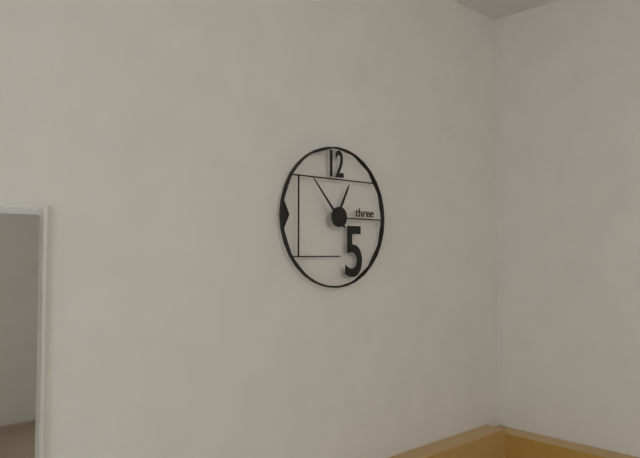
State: 12:53
